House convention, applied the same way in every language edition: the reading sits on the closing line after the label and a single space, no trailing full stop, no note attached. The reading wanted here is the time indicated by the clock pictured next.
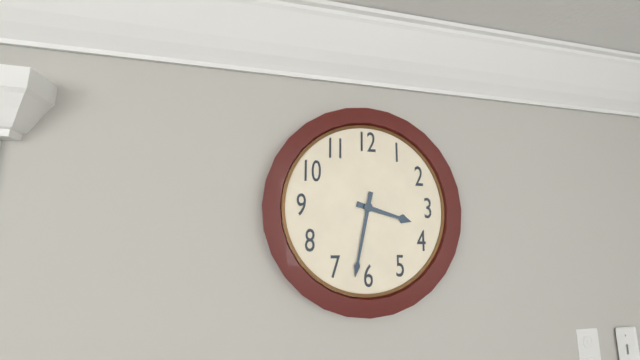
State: 3:32
